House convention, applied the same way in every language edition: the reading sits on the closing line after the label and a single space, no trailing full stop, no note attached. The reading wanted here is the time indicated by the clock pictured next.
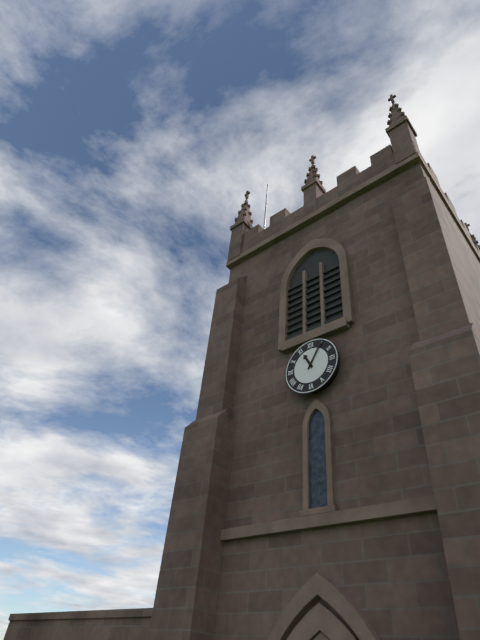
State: 11:05
